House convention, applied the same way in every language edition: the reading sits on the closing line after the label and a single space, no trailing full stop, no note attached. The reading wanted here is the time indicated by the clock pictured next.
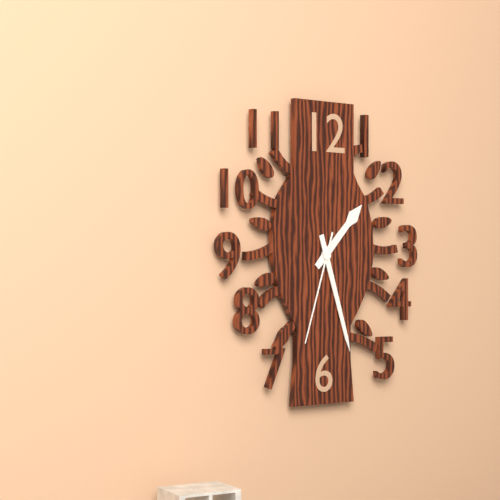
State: 1:27:33
